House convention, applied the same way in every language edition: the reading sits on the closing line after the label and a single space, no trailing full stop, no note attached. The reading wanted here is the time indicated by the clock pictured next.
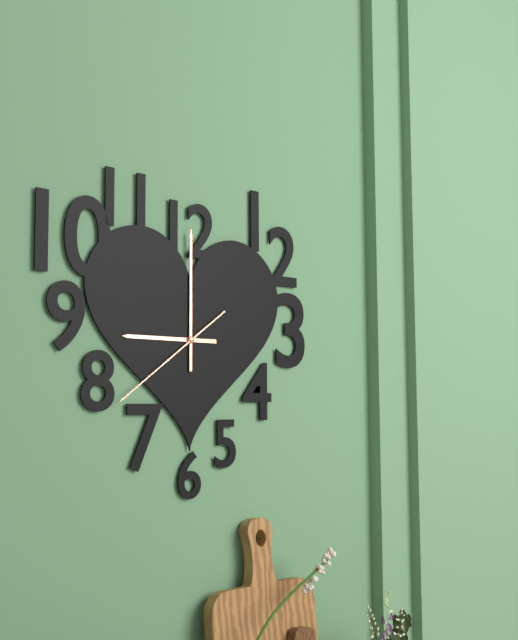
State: 9:00:39
